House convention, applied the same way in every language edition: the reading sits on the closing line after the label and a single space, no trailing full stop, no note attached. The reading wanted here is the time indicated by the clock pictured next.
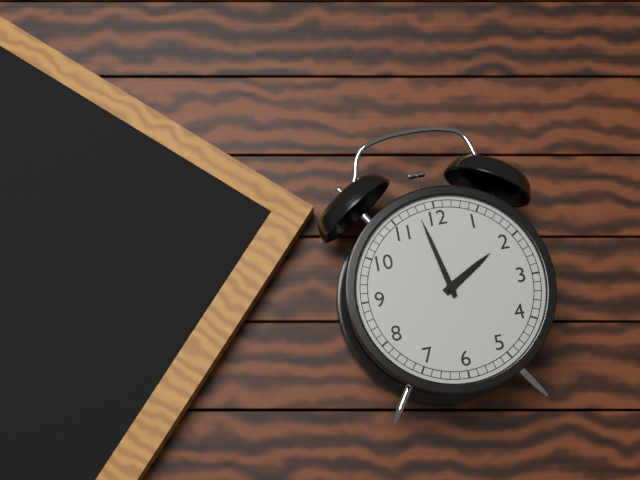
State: 1:58
